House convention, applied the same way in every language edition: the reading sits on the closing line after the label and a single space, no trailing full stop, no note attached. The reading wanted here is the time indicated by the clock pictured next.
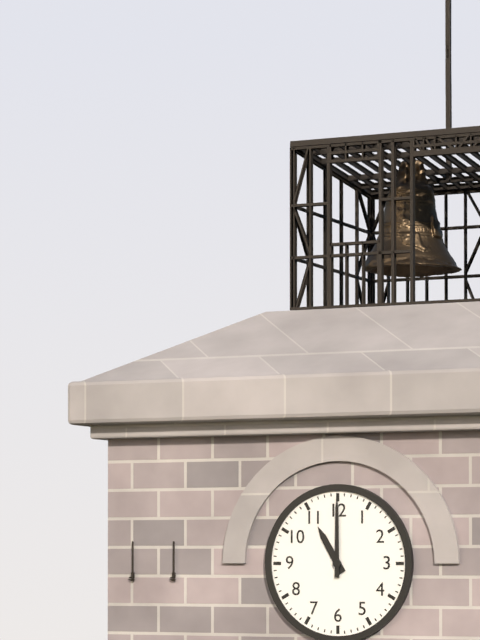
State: 11:00
